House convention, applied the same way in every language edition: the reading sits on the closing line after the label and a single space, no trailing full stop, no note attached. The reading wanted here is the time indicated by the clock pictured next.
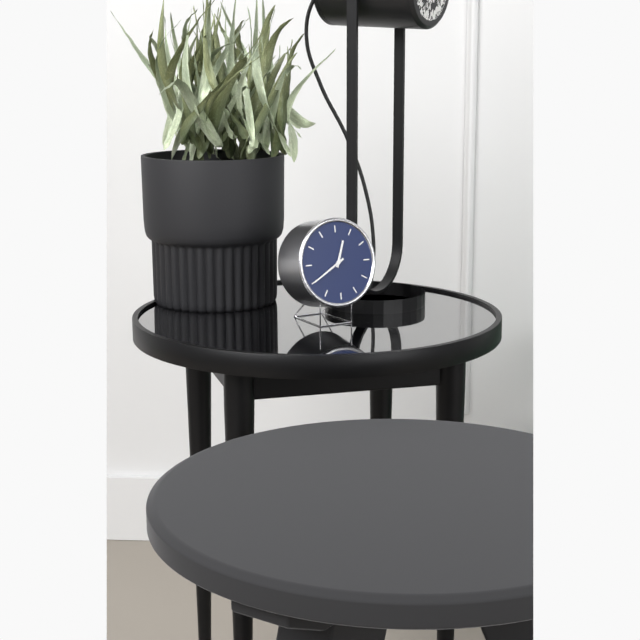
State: 12:40
